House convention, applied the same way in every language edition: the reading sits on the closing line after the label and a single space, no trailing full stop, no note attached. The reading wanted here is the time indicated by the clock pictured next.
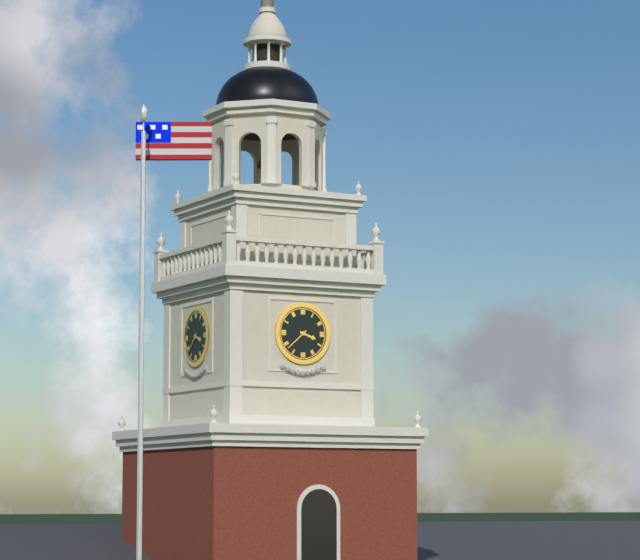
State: 3:38
